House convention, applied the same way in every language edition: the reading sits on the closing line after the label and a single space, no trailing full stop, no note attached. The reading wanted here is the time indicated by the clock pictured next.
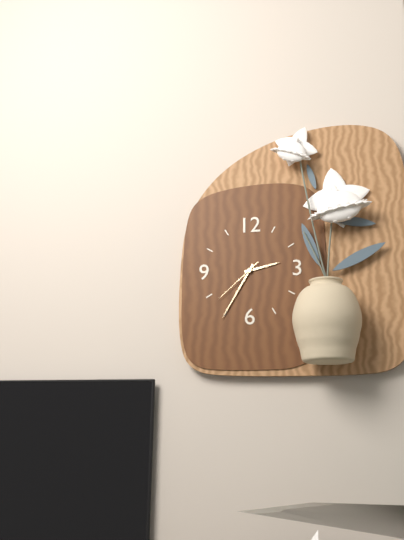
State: 2:35:38
